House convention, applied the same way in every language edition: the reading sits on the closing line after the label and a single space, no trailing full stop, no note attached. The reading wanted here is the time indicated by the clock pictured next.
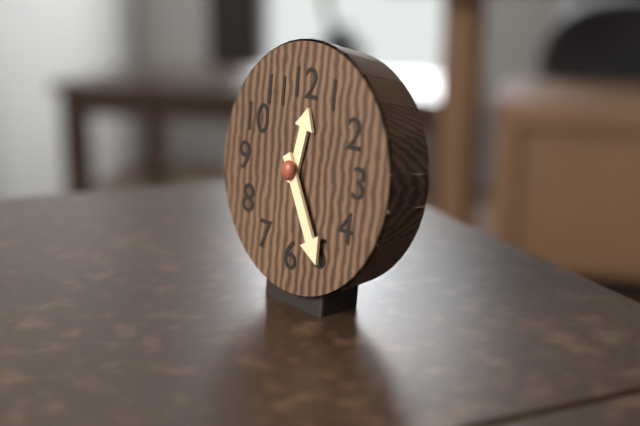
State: 12:25
